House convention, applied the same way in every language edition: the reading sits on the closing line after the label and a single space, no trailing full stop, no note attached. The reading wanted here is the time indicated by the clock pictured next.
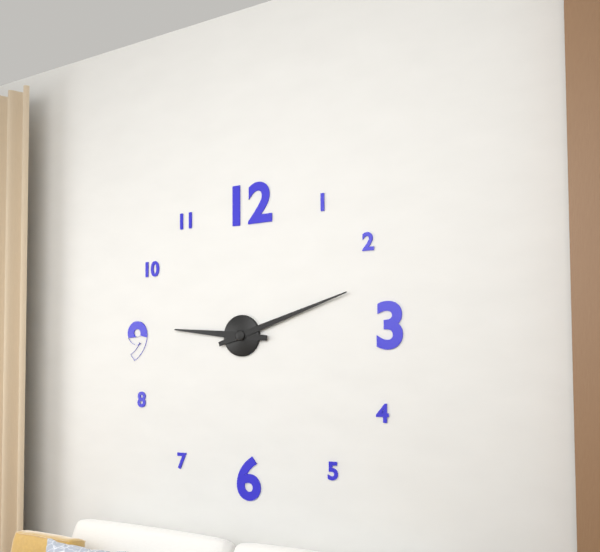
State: 9:12
